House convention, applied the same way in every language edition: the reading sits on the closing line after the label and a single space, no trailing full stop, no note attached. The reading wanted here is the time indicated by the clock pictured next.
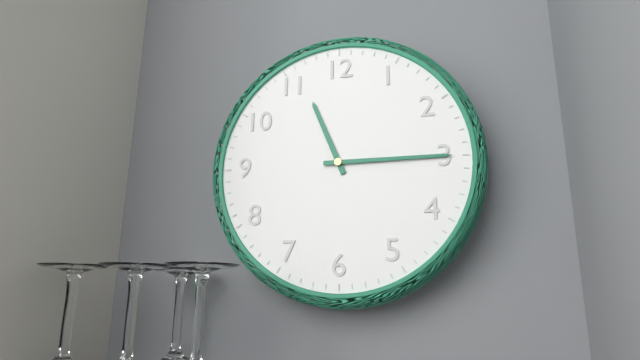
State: 11:15
